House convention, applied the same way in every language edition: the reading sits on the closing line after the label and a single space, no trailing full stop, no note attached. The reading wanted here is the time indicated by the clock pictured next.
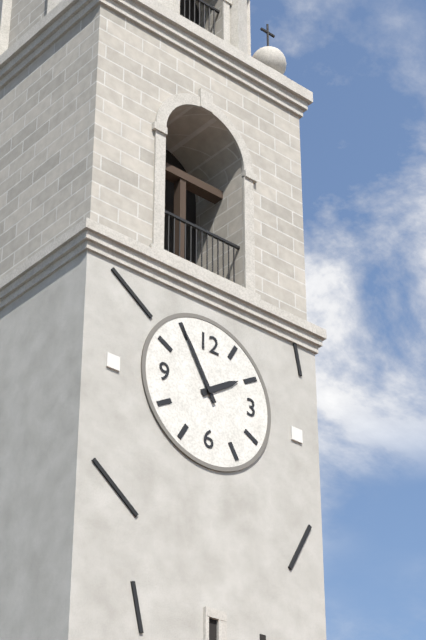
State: 1:55
